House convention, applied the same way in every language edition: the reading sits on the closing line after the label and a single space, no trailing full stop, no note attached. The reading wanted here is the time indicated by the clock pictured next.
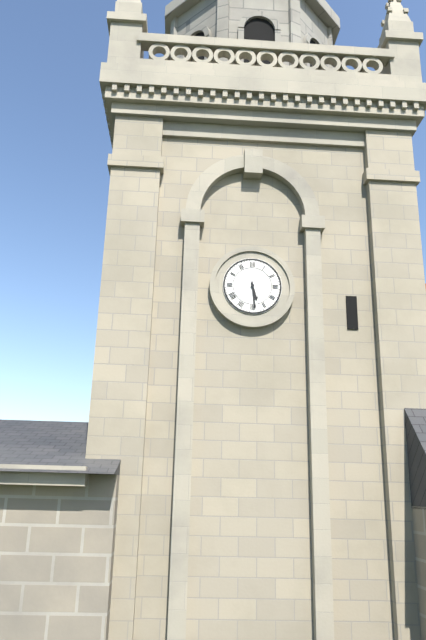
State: 5:29
